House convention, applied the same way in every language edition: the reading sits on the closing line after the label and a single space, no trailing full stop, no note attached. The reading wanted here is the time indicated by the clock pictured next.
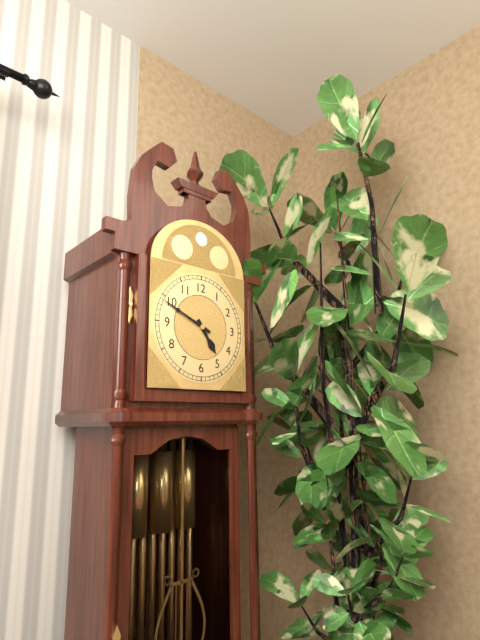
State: 4:49
